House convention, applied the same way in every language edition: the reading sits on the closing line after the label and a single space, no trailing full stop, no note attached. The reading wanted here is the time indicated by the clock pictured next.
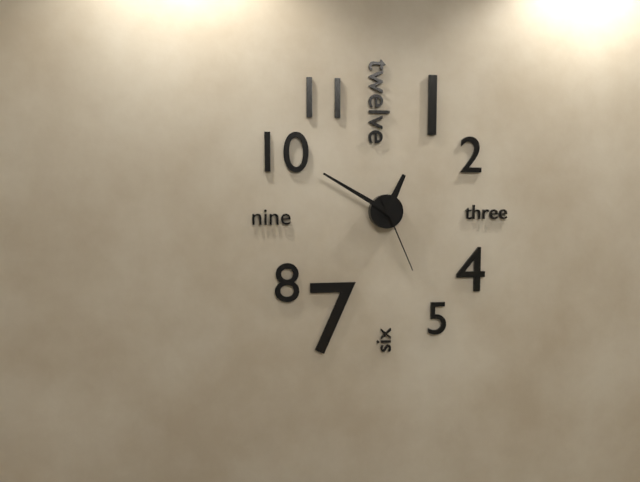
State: 12:50:26
